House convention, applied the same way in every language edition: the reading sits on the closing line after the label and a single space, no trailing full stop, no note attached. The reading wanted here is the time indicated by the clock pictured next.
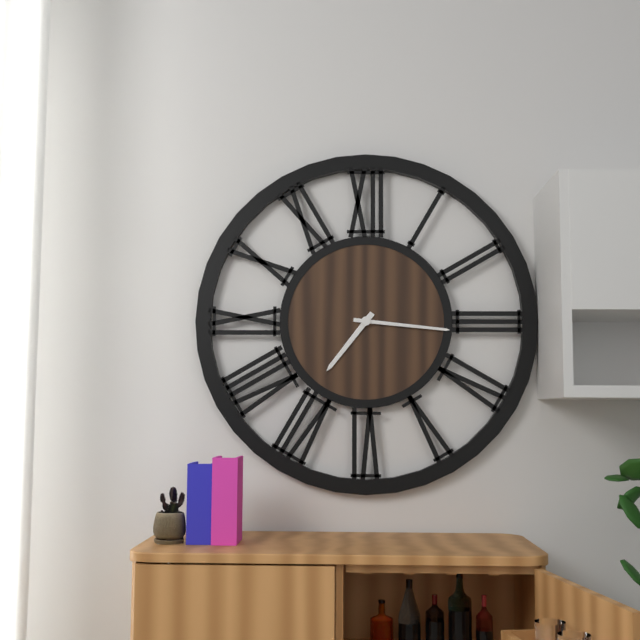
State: 7:16
